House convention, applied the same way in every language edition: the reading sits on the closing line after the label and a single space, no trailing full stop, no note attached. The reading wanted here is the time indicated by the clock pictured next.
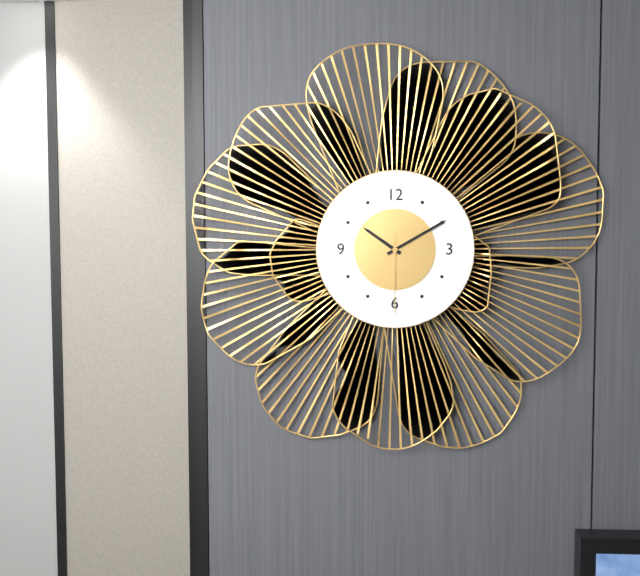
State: 10:10:30
